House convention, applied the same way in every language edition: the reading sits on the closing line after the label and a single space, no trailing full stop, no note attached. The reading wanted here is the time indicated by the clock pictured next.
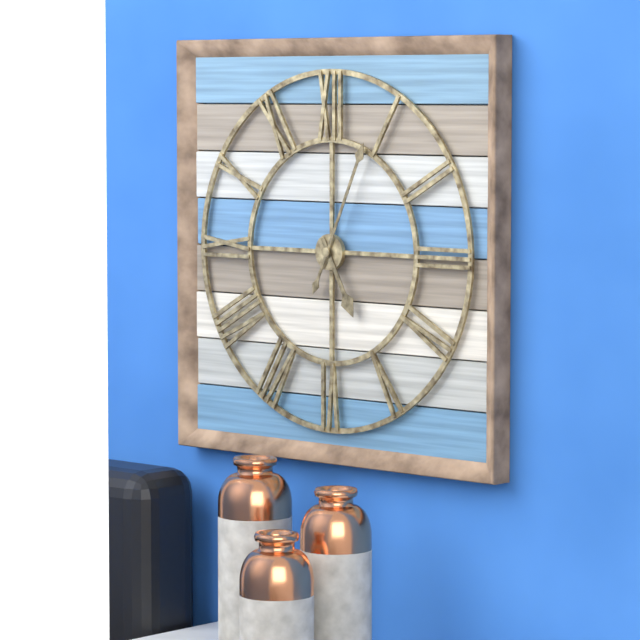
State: 5:04
